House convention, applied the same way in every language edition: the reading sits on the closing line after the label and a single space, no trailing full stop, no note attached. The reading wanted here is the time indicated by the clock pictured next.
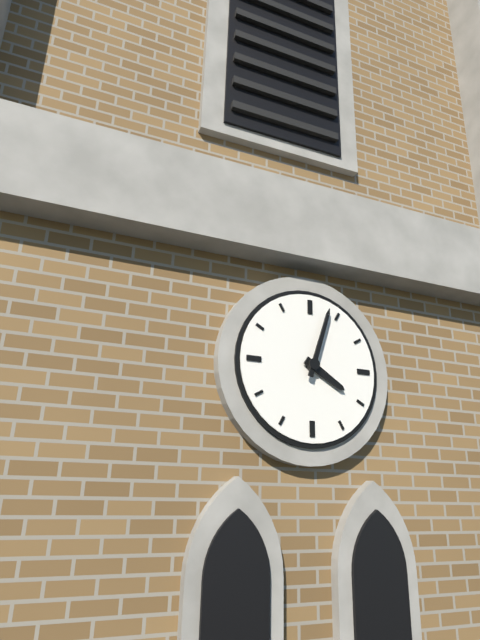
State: 4:03
